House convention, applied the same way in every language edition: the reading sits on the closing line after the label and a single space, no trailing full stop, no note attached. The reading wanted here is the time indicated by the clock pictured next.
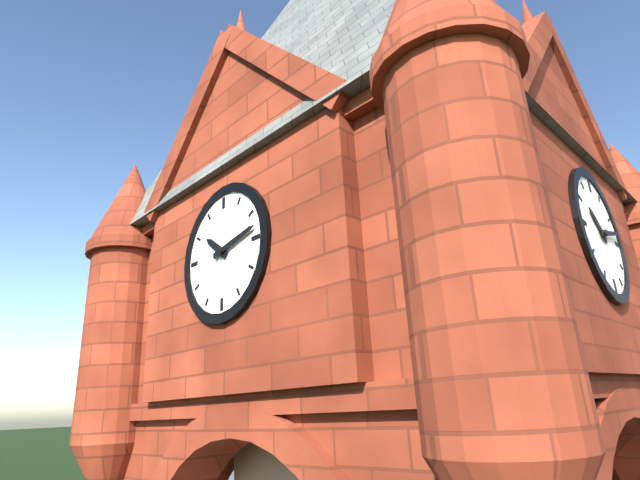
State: 10:13
